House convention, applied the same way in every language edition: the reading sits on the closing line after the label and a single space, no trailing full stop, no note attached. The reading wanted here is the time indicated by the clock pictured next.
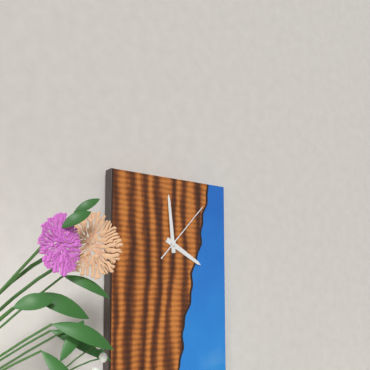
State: 3:59:07
